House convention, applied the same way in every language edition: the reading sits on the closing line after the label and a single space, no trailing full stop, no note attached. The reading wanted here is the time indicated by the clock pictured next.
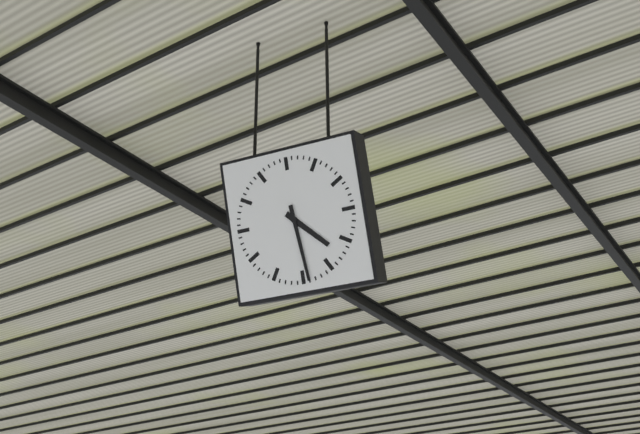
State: 4:29
